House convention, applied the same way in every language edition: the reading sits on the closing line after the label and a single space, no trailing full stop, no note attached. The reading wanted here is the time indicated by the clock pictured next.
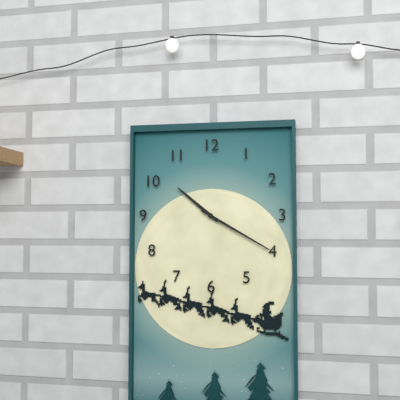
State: 10:20
